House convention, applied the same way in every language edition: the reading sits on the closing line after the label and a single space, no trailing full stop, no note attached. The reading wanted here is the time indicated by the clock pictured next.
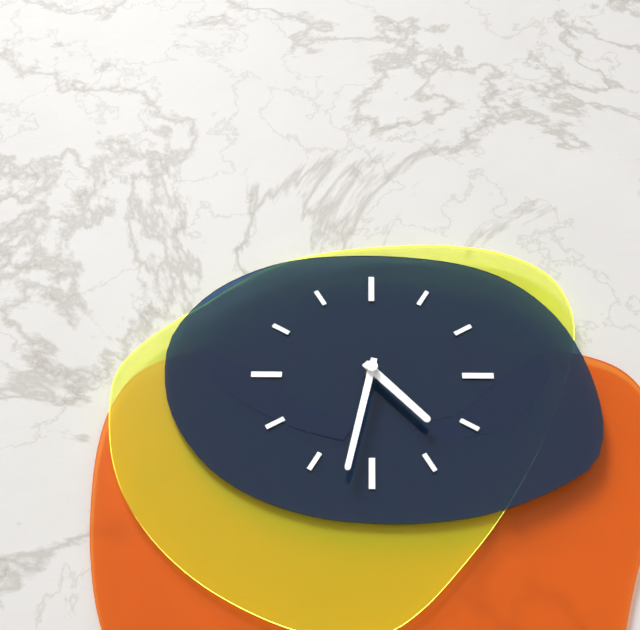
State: 4:32
